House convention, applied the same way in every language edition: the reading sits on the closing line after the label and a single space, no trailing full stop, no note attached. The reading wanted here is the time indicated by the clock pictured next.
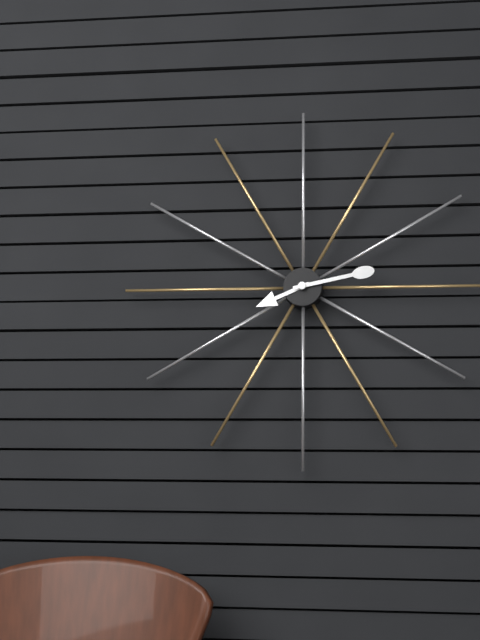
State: 8:13
